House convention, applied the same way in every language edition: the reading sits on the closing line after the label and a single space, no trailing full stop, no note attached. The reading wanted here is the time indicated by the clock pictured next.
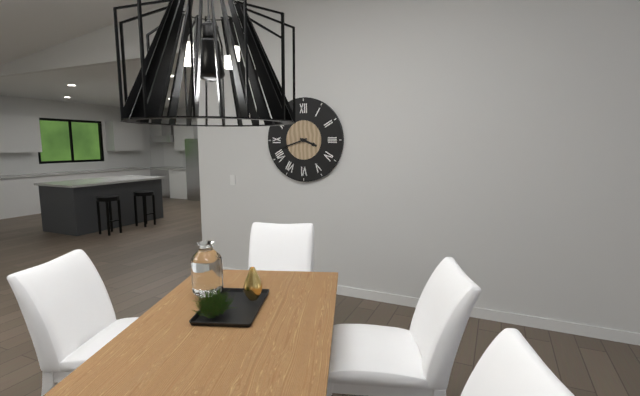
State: 3:42
